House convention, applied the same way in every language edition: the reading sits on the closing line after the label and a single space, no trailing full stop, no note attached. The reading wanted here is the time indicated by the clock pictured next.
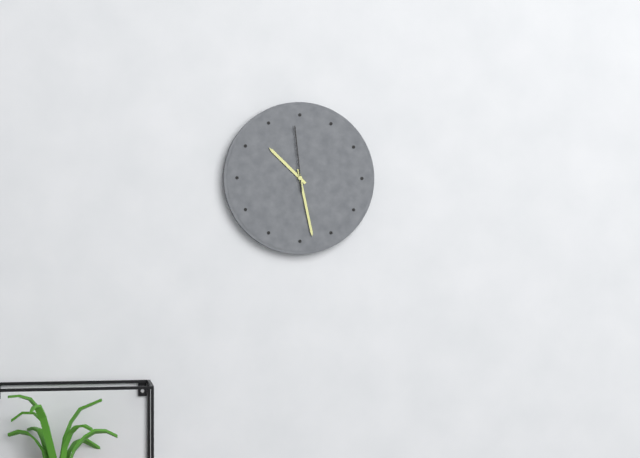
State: 10:28:59
